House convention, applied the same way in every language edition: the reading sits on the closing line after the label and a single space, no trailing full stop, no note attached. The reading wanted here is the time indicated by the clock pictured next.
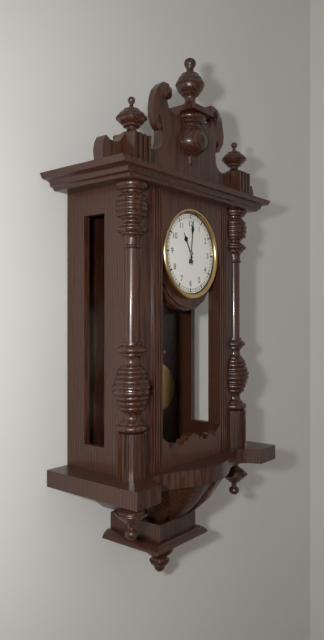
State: 11:01
